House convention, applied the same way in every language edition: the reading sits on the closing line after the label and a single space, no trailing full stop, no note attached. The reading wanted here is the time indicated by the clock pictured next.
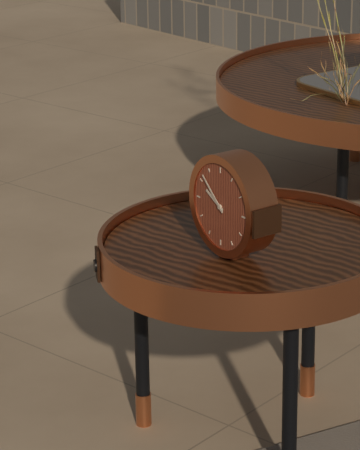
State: 9:52
